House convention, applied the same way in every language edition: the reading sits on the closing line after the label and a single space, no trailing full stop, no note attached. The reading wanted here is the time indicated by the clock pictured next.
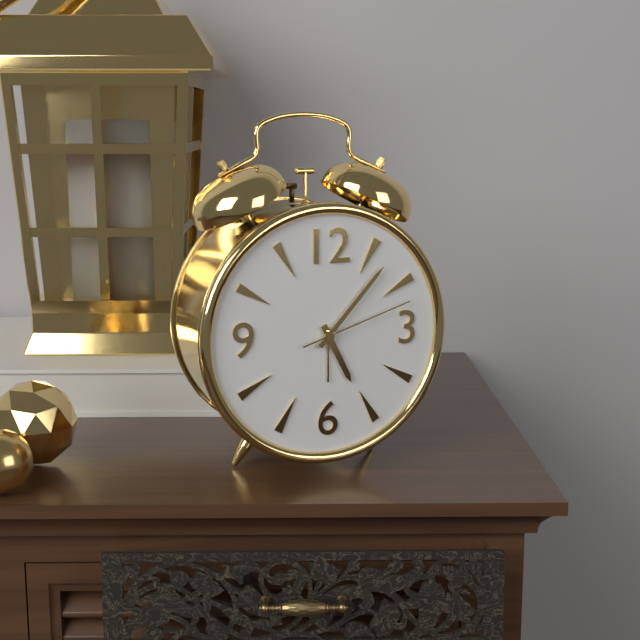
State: 5:07:12
